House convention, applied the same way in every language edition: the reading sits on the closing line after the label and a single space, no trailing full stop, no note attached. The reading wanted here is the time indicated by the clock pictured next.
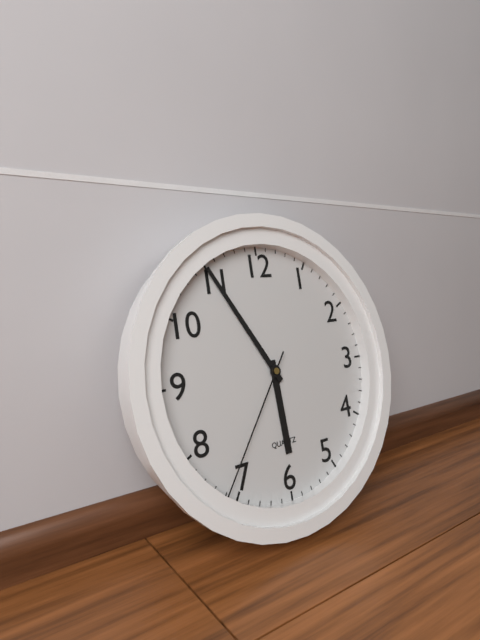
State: 5:55:36
